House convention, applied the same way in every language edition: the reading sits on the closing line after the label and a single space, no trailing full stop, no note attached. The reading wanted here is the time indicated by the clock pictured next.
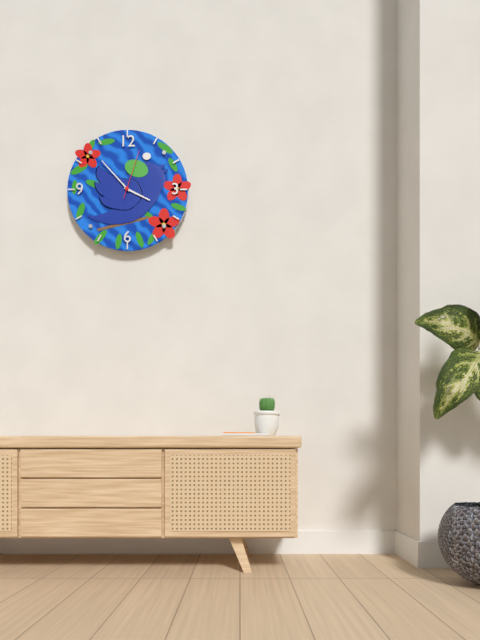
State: 3:53:03
